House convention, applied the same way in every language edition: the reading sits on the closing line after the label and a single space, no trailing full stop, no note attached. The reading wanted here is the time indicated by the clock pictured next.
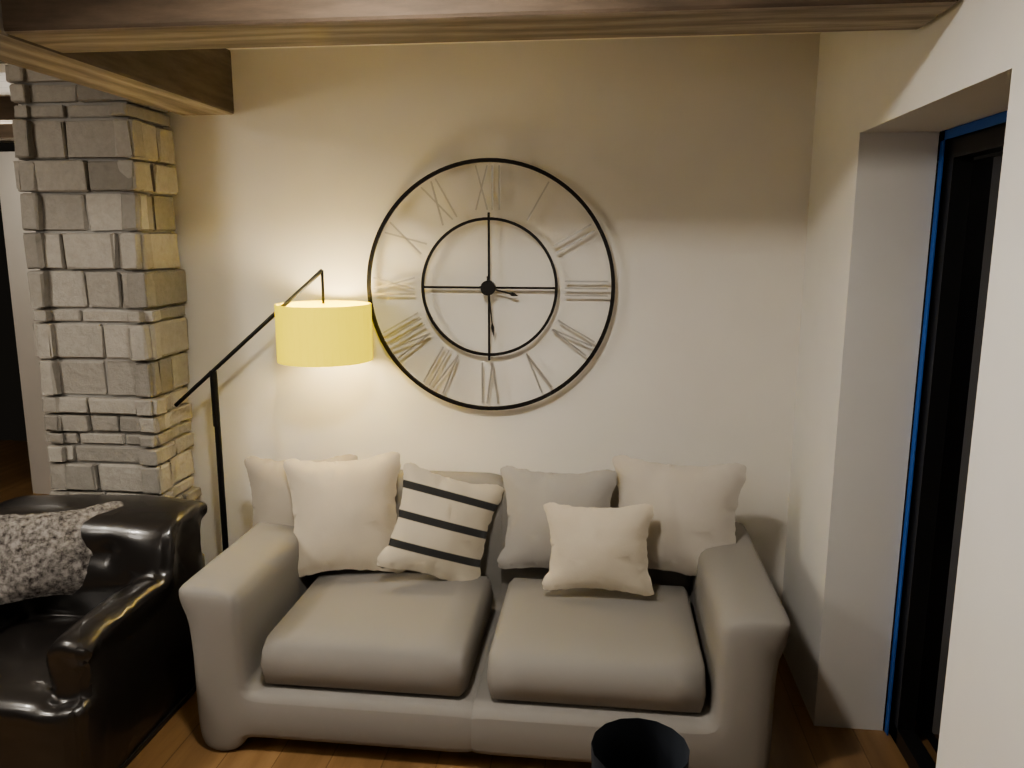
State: 3:29
